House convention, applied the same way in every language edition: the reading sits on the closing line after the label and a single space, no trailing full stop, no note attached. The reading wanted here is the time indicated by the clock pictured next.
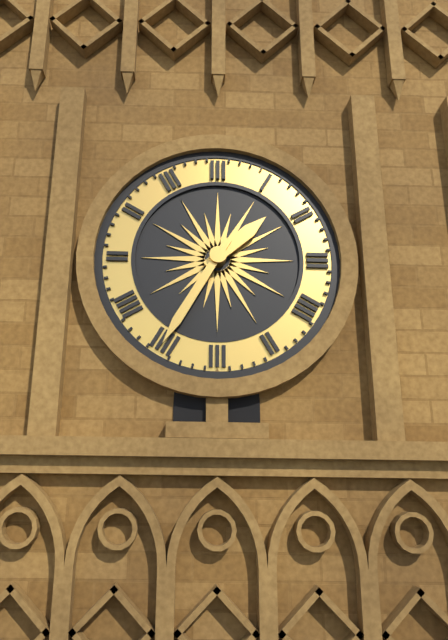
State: 1:35
